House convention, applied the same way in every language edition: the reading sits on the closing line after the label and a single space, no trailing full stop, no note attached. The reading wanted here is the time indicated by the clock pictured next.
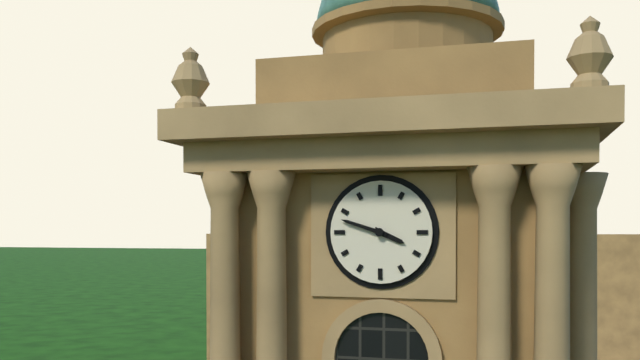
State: 3:48
